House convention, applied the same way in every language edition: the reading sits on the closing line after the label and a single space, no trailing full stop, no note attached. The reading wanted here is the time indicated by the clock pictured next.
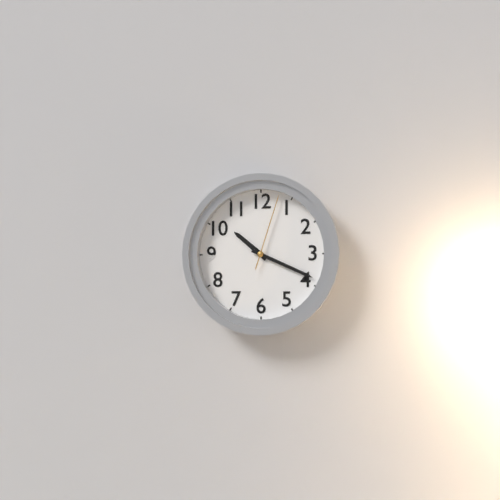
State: 10:19:03
